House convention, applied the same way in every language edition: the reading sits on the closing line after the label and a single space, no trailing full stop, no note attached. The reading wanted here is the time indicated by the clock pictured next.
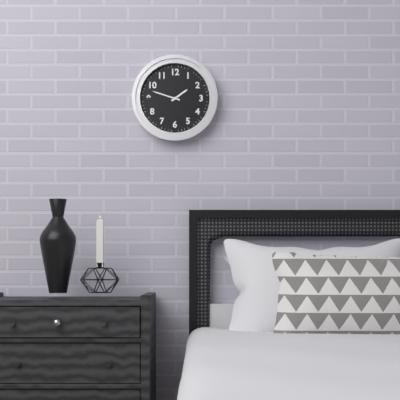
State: 1:48
